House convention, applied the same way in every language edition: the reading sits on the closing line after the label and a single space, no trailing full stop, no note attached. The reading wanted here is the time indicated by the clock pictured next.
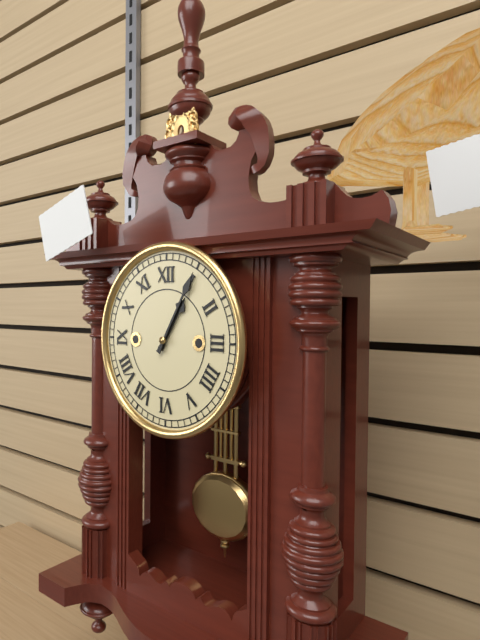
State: 1:05
